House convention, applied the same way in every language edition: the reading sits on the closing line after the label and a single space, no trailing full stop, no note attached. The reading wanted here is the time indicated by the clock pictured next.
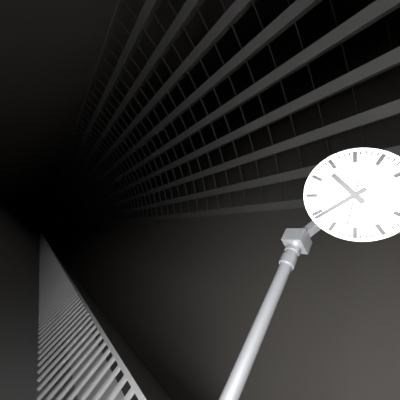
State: 10:39
